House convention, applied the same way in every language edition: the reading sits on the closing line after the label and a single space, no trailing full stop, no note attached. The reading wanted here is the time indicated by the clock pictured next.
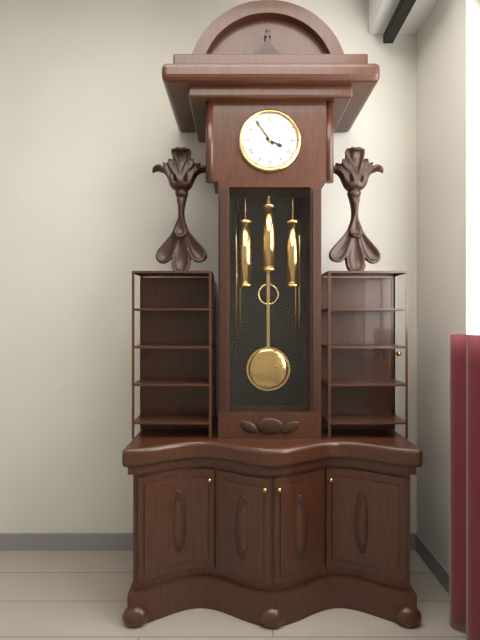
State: 3:54
